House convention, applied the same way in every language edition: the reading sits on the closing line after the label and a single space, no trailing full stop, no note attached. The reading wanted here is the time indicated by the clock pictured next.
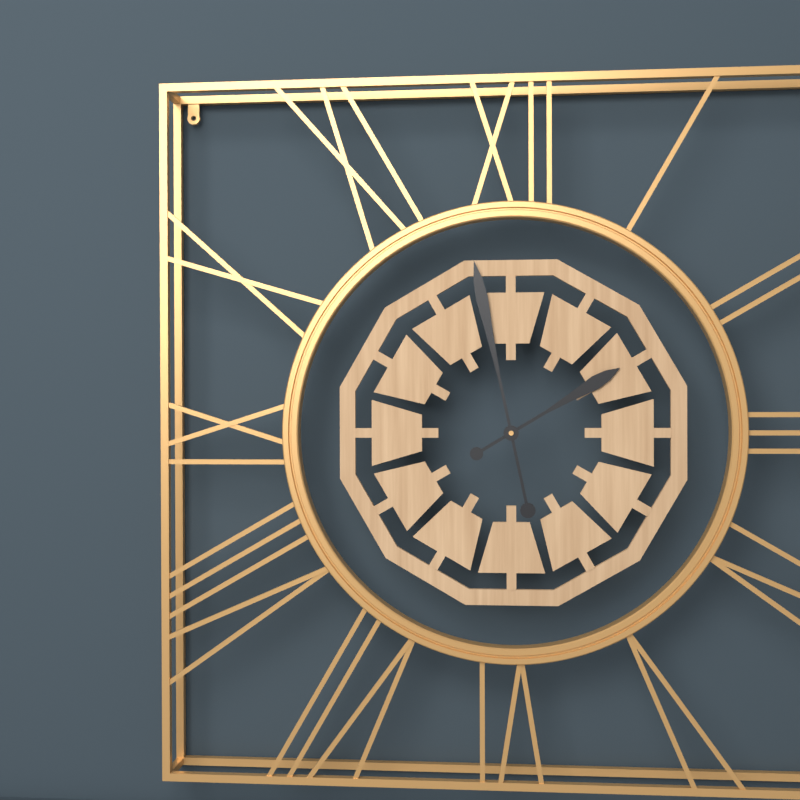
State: 1:58
